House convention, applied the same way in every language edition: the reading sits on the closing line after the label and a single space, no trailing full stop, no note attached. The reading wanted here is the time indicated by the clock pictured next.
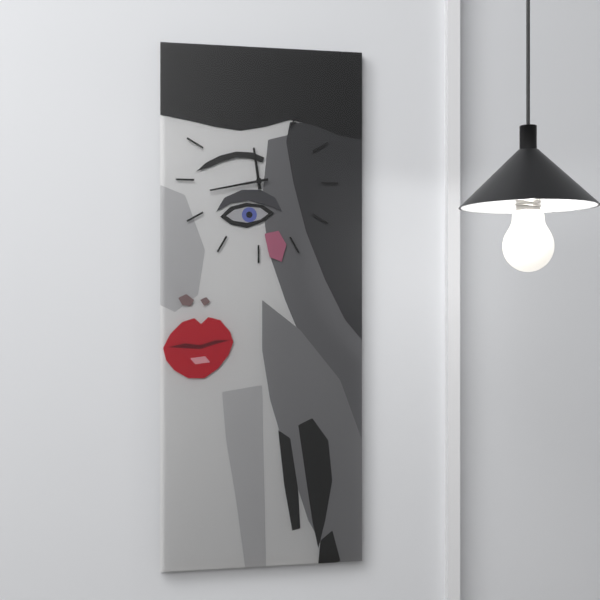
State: 11:43
